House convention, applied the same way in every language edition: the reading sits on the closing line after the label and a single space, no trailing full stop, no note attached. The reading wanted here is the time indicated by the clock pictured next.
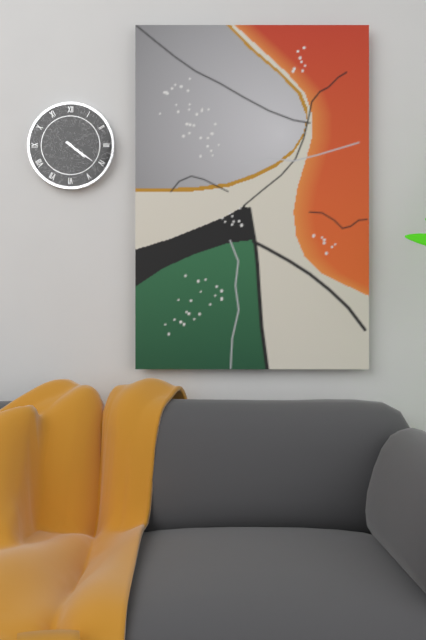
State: 4:21
